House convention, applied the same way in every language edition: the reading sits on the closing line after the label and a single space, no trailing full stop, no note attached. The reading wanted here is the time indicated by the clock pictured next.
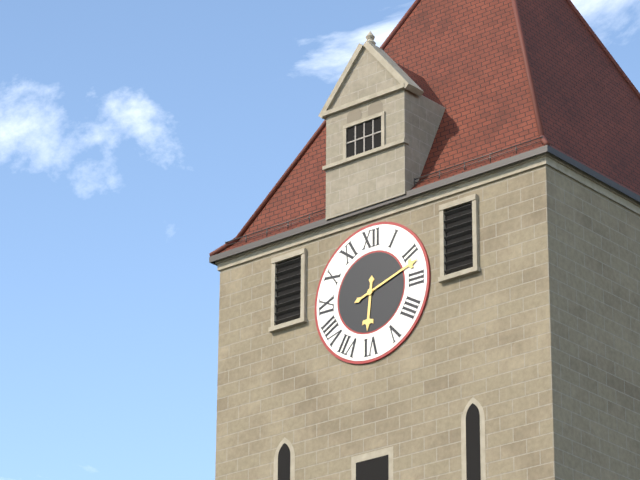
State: 6:12
